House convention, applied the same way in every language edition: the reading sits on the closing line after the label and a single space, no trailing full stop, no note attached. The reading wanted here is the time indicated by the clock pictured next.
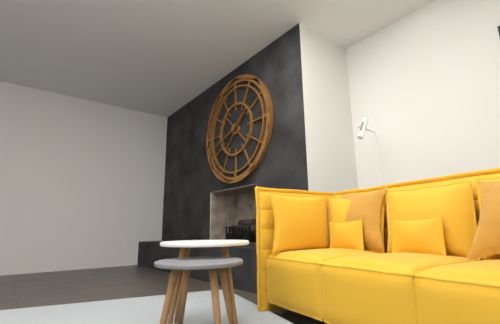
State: 1:42
